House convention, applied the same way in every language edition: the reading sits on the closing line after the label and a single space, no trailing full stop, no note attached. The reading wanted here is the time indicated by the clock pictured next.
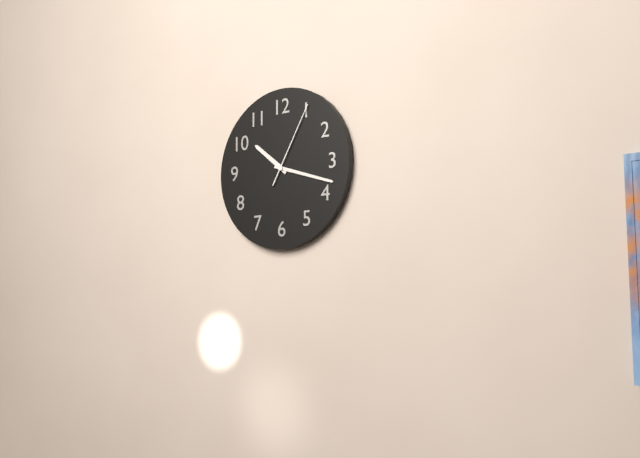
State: 10:18:05
